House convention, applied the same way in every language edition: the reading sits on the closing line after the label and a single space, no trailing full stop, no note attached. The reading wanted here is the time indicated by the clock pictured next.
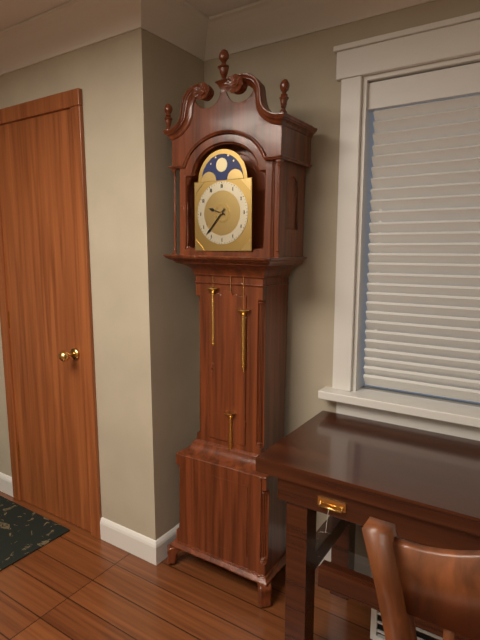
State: 9:37
